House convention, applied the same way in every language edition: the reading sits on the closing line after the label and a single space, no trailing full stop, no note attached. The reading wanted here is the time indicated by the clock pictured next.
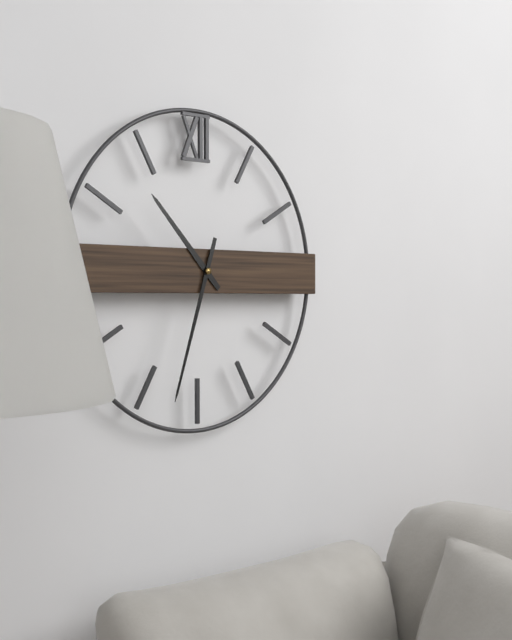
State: 10:33
